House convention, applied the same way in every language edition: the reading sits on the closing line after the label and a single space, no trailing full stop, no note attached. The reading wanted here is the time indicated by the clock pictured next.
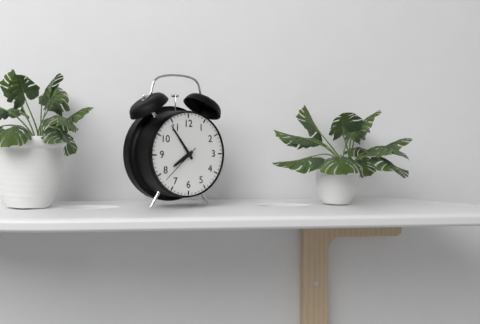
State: 7:54
